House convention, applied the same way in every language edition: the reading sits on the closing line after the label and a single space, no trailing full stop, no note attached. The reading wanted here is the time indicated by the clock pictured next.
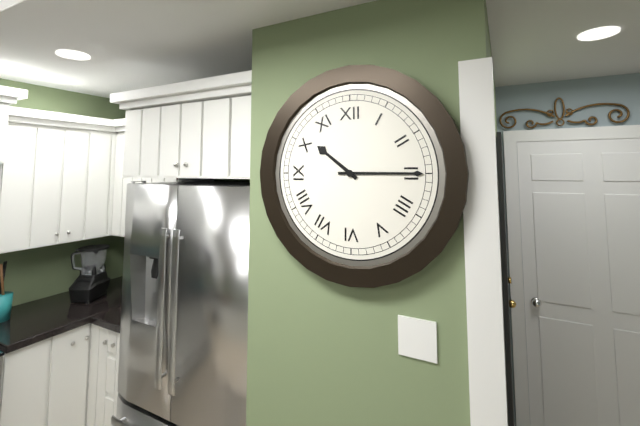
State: 10:15
